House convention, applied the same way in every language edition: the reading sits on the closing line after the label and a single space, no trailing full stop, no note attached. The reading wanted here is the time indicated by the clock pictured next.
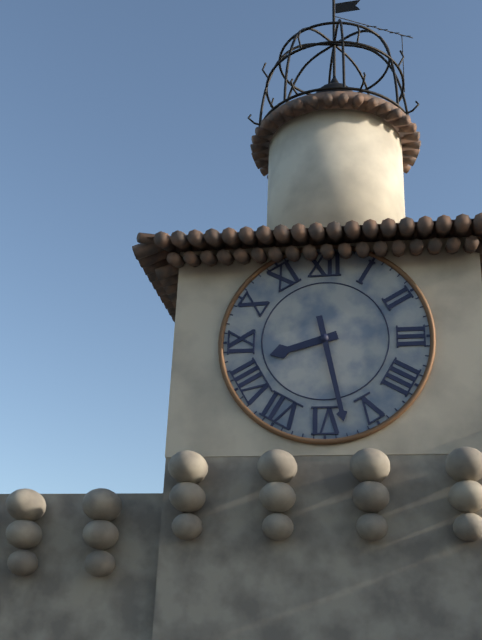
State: 8:28
